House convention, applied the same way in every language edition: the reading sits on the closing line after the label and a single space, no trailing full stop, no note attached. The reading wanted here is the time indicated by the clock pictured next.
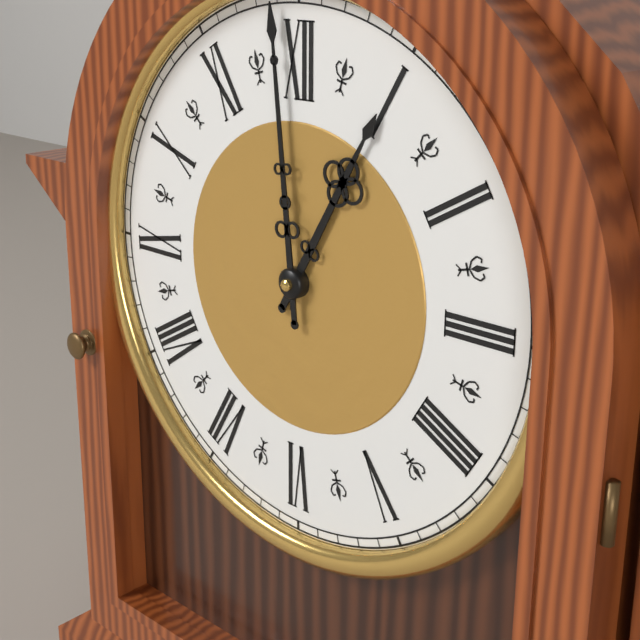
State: 12:59
